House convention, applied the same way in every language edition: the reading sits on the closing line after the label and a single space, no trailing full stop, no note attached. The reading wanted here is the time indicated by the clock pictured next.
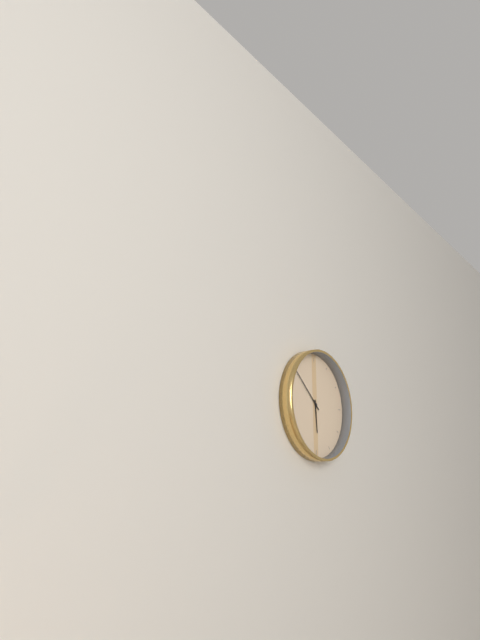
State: 5:52
